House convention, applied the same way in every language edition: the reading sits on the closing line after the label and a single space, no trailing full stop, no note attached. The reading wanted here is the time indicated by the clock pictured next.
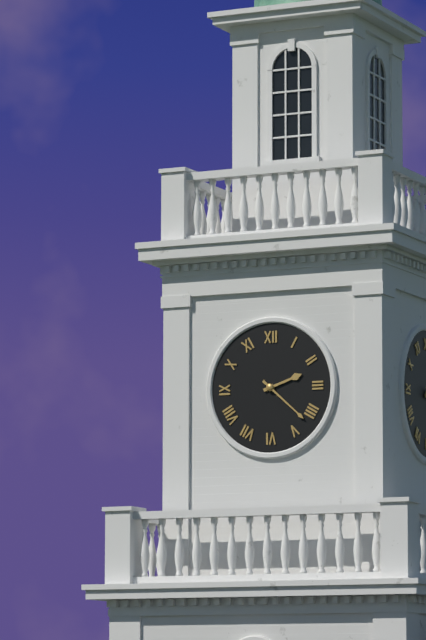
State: 2:22
